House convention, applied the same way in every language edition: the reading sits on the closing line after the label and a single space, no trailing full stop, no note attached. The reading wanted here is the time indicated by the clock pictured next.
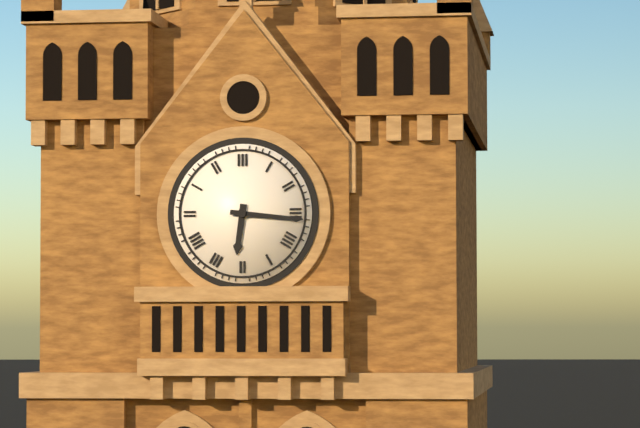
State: 6:16
